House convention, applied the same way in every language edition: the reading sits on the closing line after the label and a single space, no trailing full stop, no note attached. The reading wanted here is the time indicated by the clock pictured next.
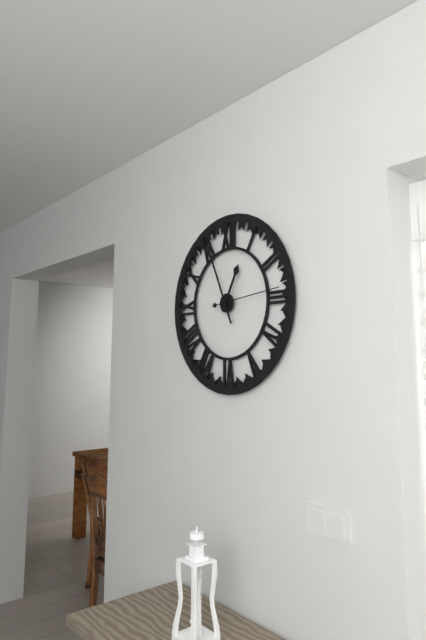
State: 12:56:14
